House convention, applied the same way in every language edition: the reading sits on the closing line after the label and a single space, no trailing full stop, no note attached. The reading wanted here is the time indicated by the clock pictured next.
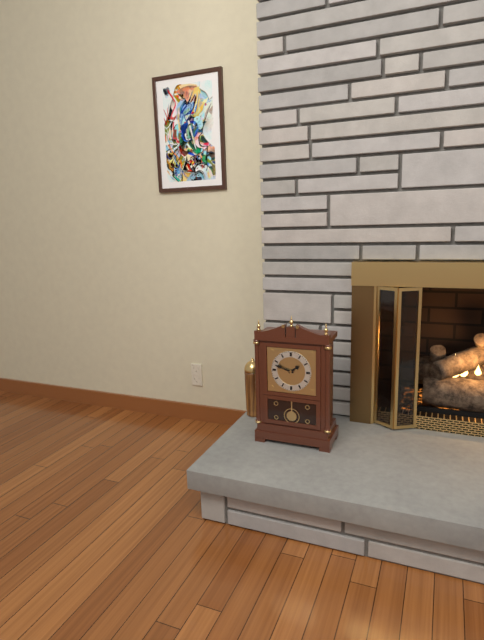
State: 1:48
